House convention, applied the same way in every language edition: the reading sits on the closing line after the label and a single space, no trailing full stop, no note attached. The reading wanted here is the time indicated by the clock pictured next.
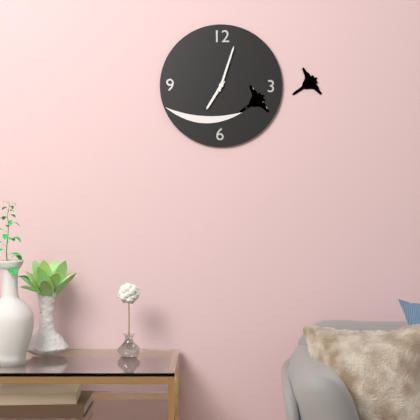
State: 7:03
